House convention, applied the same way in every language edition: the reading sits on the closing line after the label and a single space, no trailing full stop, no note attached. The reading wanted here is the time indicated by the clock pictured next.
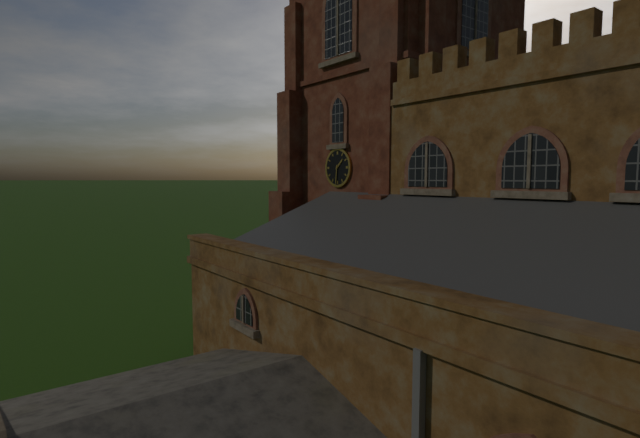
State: 1:31
